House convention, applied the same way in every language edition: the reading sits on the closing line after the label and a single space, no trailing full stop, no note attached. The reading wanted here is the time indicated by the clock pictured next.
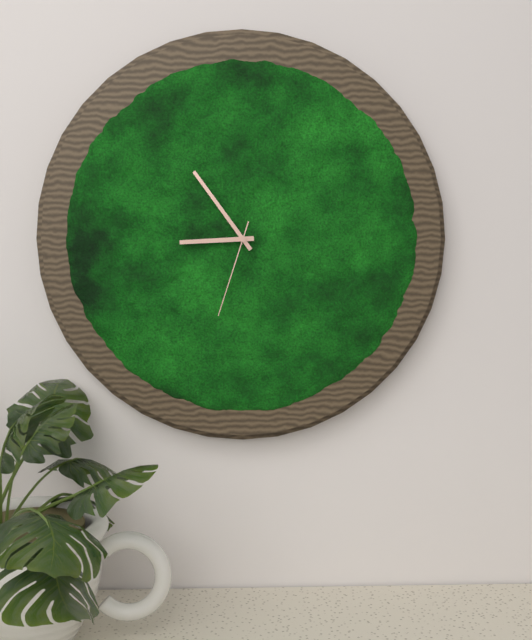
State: 8:54:33
